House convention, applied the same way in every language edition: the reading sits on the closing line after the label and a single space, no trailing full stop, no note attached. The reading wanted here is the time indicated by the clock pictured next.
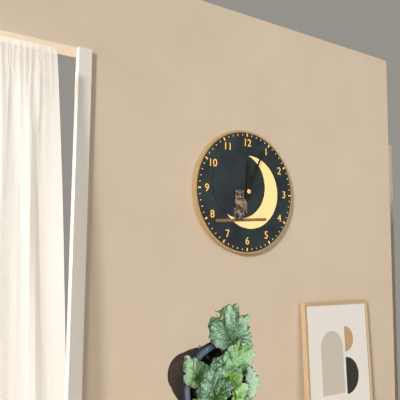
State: 12:04
